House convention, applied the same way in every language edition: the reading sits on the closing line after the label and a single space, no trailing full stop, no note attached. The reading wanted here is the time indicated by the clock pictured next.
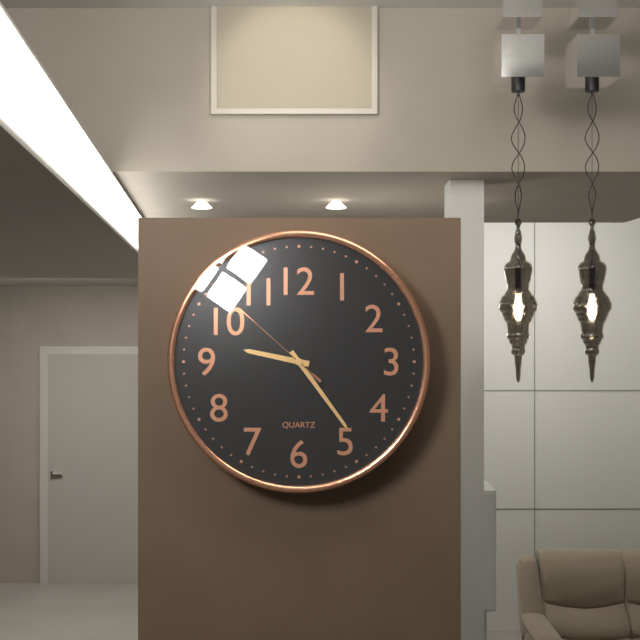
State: 9:24:52
